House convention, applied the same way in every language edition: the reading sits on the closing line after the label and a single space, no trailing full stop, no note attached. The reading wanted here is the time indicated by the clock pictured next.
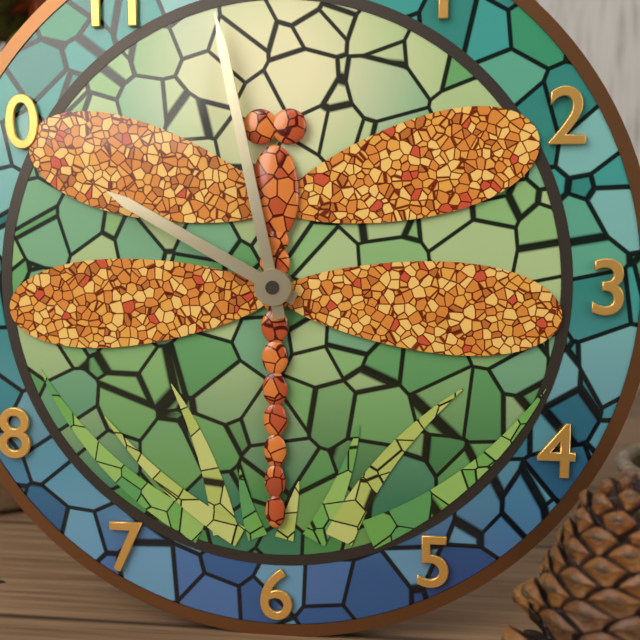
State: 9:58
